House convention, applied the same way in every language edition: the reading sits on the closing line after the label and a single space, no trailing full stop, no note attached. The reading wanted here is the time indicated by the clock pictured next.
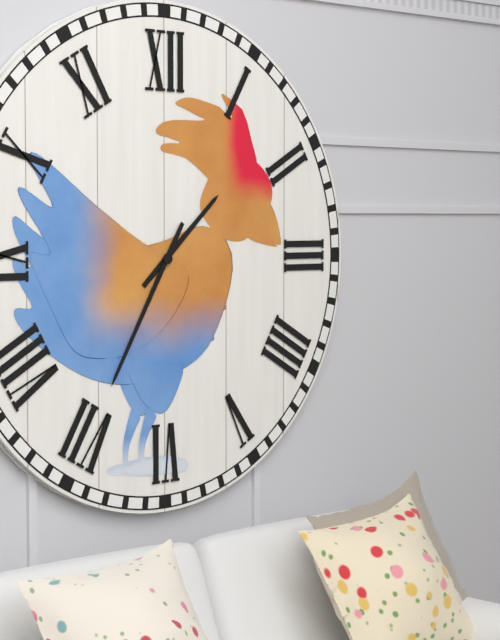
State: 1:35
